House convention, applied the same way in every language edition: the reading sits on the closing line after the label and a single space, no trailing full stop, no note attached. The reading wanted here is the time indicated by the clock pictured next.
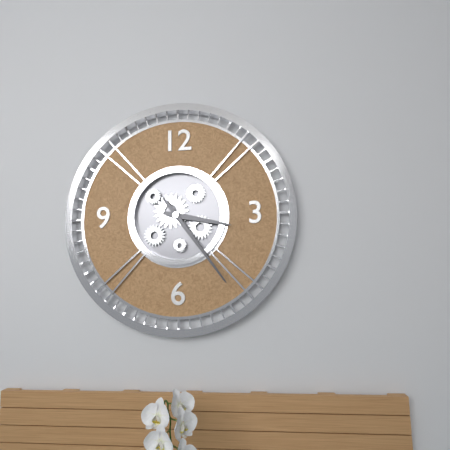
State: 3:24
